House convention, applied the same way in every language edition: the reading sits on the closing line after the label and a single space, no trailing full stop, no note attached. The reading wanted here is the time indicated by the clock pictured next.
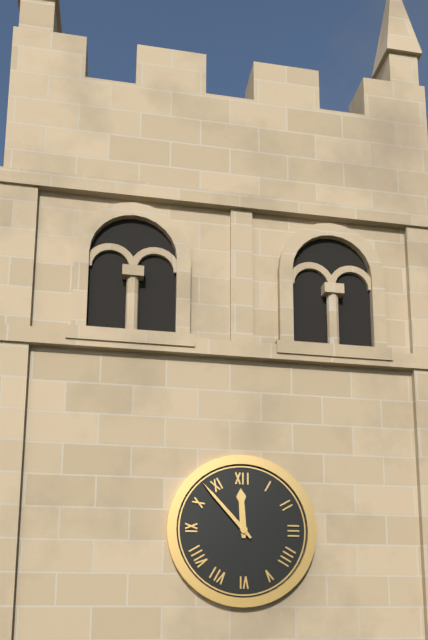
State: 11:53
